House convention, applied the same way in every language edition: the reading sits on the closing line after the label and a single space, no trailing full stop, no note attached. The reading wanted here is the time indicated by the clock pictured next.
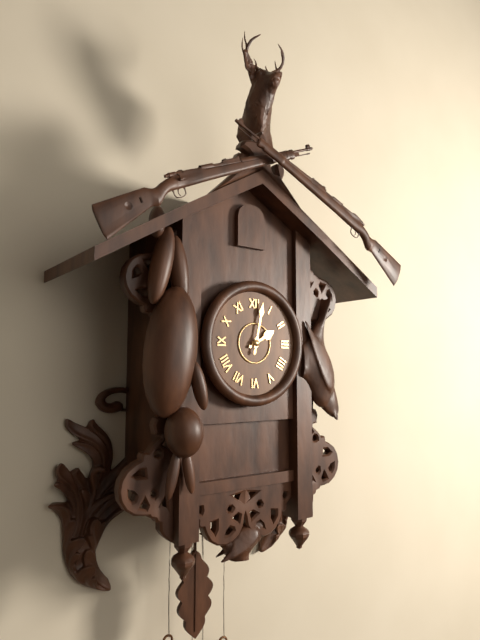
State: 2:02
